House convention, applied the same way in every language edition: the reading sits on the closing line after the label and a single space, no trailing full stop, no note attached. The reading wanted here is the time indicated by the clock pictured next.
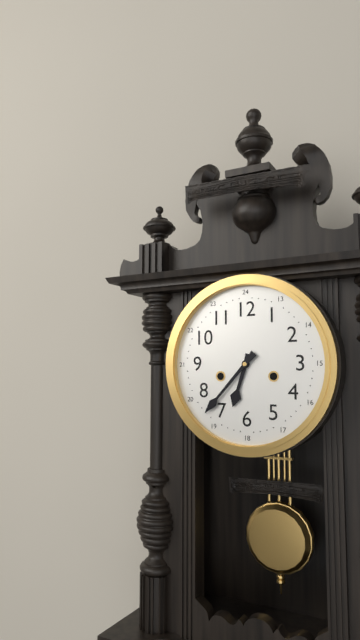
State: 6:37
